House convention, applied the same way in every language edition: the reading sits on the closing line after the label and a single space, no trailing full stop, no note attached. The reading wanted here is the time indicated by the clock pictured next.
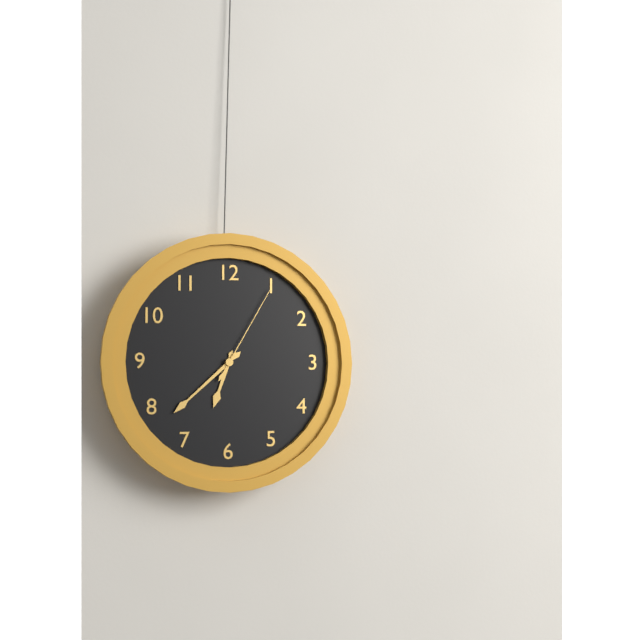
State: 6:38:05
